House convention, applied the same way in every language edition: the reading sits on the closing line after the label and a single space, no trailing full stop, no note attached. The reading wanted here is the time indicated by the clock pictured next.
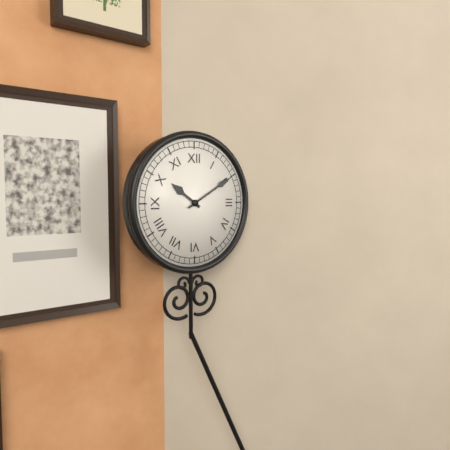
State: 10:10
